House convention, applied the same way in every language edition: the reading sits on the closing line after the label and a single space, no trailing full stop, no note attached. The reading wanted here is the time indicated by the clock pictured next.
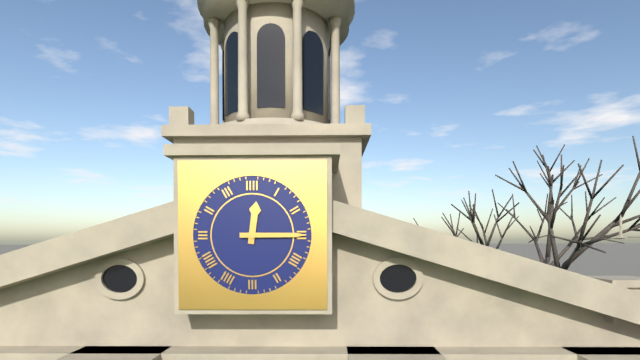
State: 12:15
